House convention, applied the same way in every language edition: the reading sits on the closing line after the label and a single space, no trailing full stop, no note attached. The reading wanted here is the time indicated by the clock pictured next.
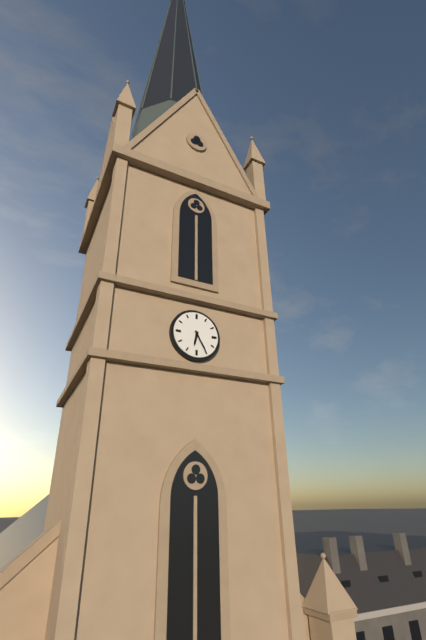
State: 6:25
